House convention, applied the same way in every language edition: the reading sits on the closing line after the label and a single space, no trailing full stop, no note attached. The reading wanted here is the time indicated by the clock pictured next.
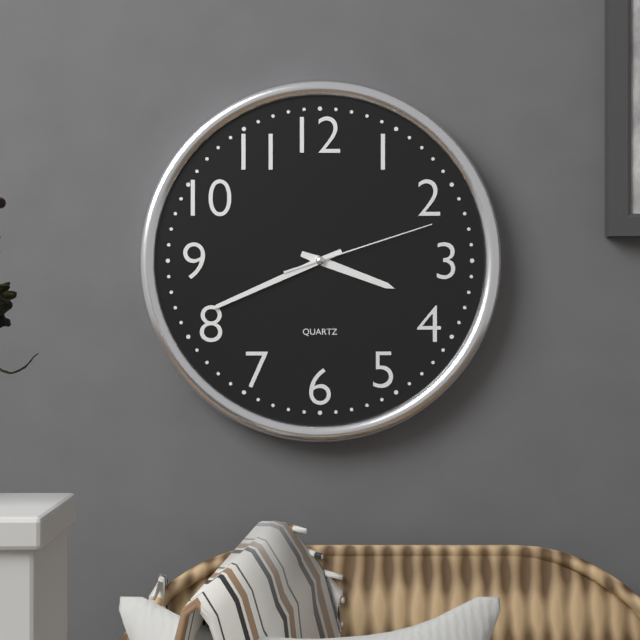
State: 3:41:12
